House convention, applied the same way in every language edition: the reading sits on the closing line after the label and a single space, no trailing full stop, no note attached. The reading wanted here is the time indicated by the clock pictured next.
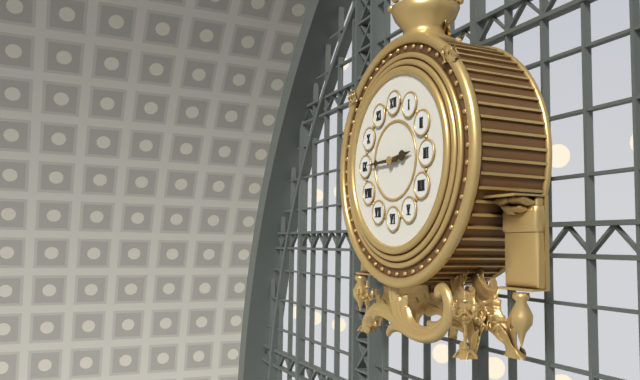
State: 2:45
